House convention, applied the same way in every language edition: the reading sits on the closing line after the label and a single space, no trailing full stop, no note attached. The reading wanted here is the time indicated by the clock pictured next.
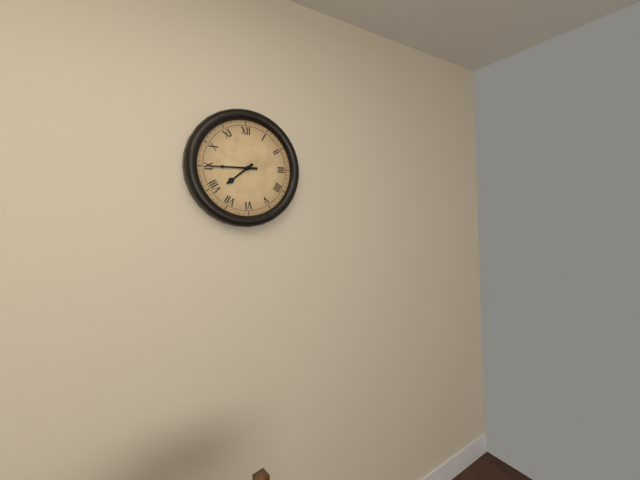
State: 7:45
